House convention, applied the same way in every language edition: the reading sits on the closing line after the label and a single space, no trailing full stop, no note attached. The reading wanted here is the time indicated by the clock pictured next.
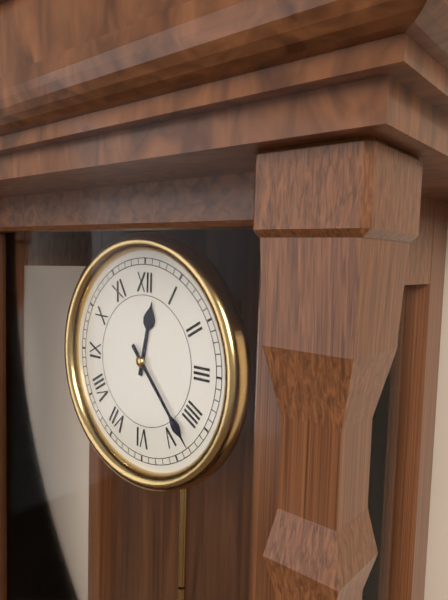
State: 12:23
